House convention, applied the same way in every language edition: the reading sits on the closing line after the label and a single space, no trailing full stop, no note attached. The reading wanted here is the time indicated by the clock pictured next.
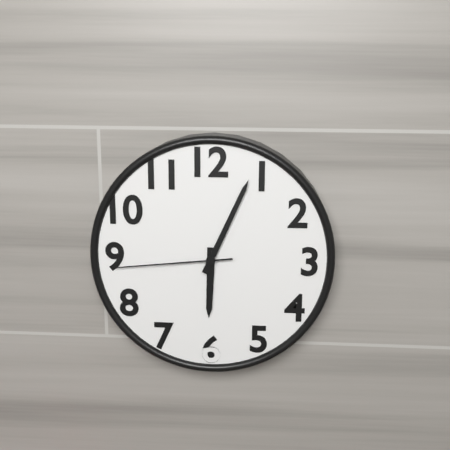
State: 6:04:44
